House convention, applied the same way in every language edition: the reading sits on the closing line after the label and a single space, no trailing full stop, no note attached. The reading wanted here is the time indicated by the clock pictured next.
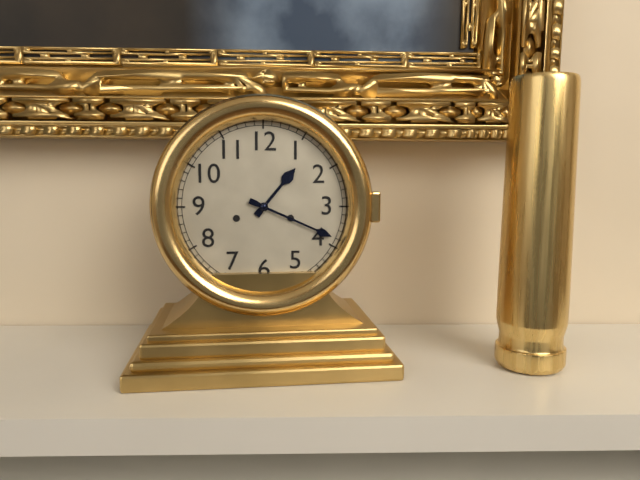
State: 1:19
